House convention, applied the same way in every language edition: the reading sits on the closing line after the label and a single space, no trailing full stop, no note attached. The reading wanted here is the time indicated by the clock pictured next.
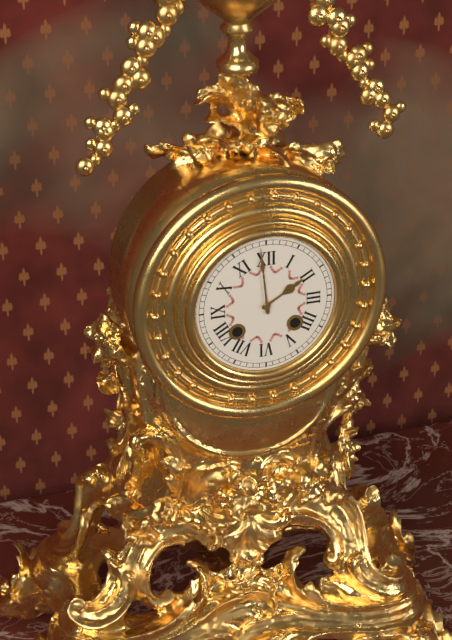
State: 1:59
